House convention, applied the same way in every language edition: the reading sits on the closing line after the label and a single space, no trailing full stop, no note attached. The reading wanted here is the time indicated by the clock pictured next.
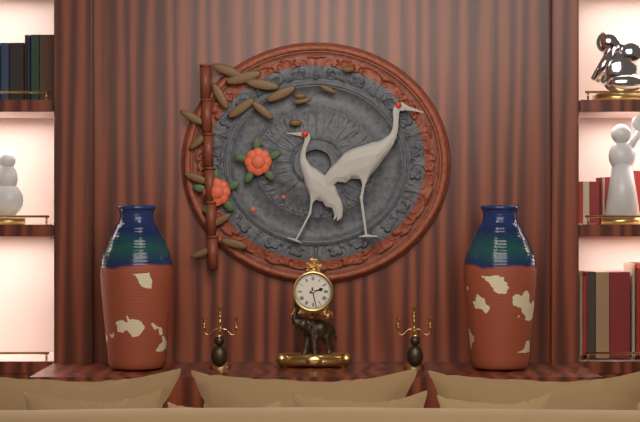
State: 2:28
